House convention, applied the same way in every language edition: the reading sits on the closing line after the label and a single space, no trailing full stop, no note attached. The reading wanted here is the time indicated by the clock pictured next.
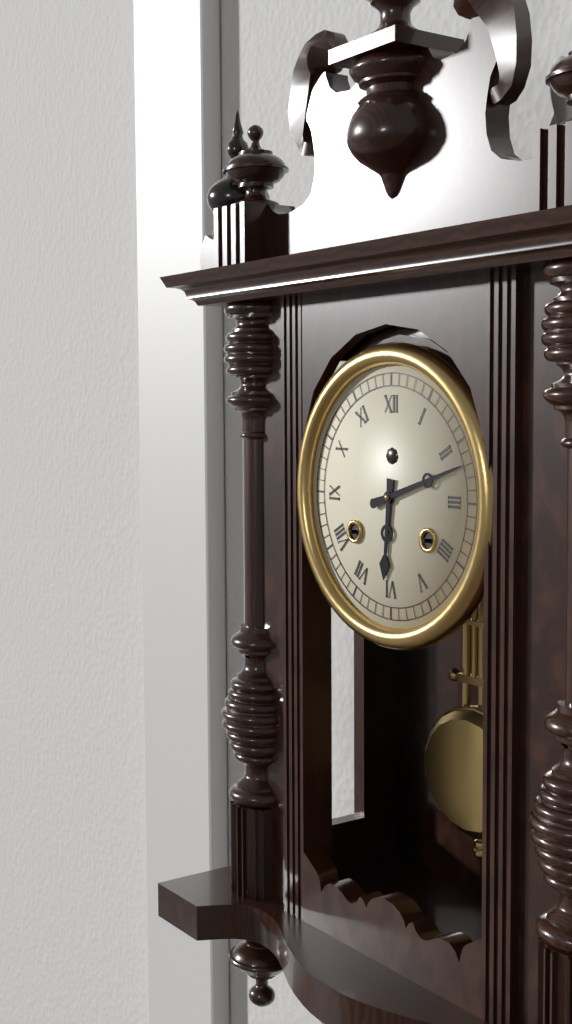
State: 6:12
